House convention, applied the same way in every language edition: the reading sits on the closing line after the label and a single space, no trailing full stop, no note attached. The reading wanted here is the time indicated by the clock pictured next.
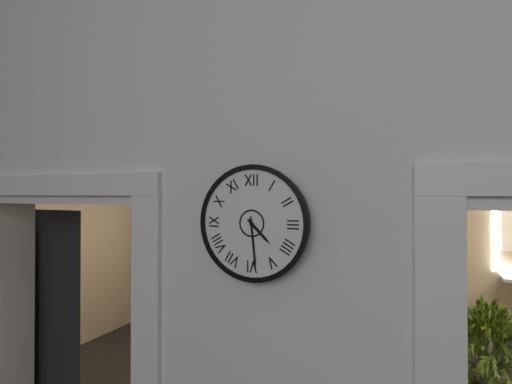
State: 4:29
